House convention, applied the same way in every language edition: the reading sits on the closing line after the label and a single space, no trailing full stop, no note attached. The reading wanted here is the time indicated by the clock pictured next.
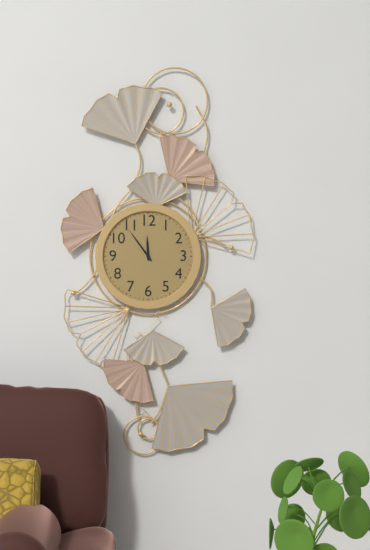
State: 11:54
